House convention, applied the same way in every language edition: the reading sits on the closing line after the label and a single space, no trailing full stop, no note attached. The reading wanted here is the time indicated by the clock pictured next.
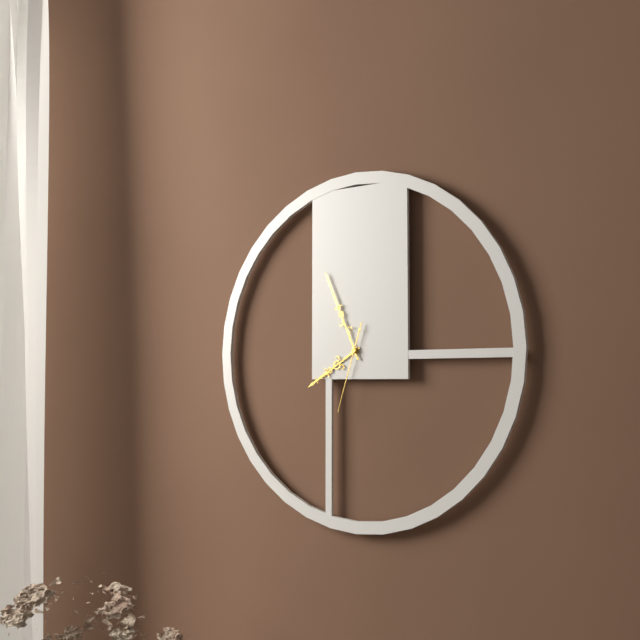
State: 7:56:33
